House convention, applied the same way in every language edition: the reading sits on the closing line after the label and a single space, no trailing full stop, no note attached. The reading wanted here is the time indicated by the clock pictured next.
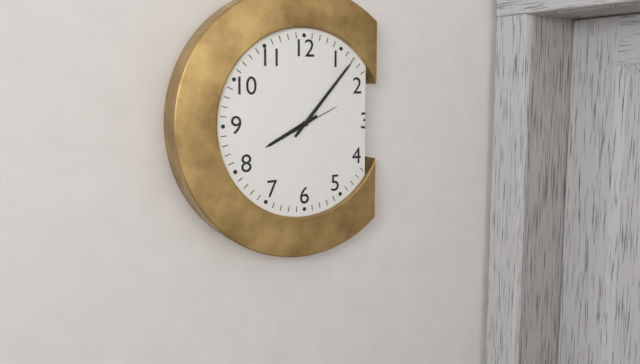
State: 8:07
